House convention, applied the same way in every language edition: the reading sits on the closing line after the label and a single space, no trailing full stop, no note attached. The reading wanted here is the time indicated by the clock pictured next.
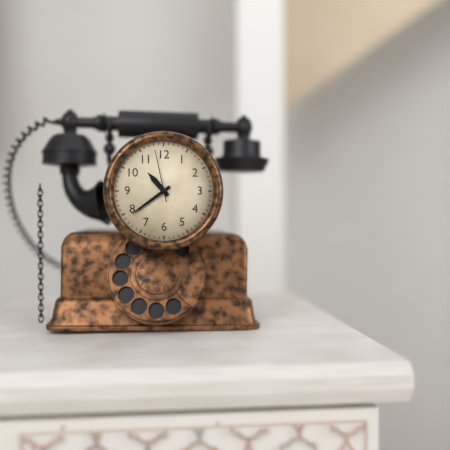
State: 10:39:58
